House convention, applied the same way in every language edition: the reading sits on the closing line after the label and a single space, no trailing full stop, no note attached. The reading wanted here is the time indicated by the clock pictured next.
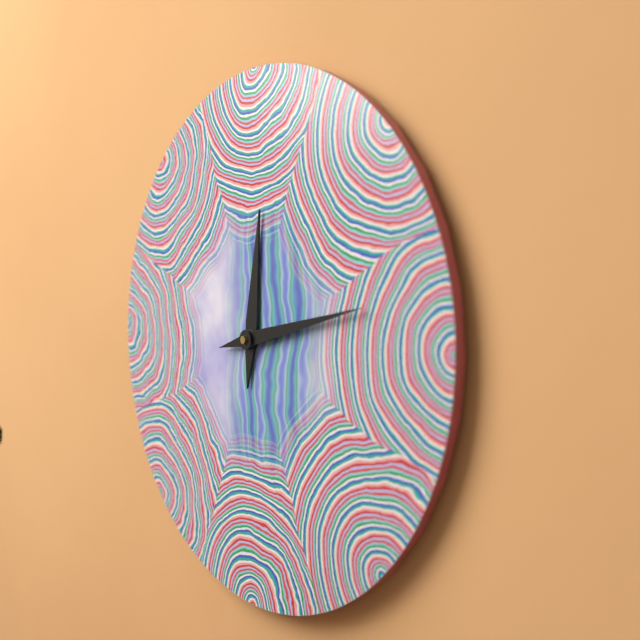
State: 12:13
